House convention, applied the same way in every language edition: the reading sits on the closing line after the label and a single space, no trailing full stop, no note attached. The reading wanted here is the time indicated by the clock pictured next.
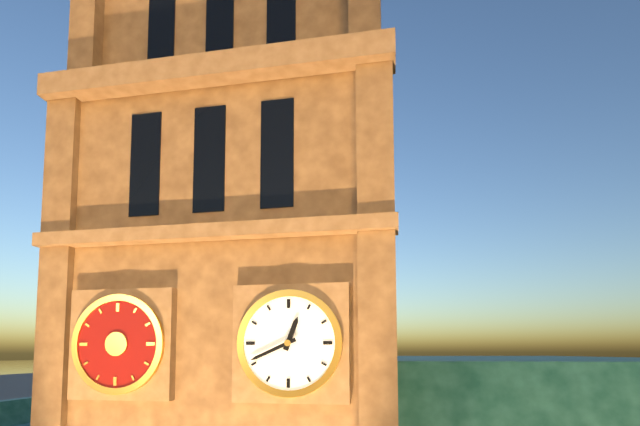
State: 12:41
